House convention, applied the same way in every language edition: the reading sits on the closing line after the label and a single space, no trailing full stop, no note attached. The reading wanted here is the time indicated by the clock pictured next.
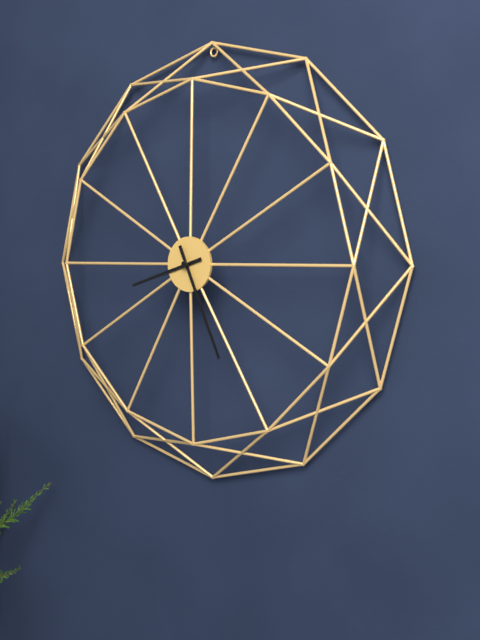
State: 8:26
